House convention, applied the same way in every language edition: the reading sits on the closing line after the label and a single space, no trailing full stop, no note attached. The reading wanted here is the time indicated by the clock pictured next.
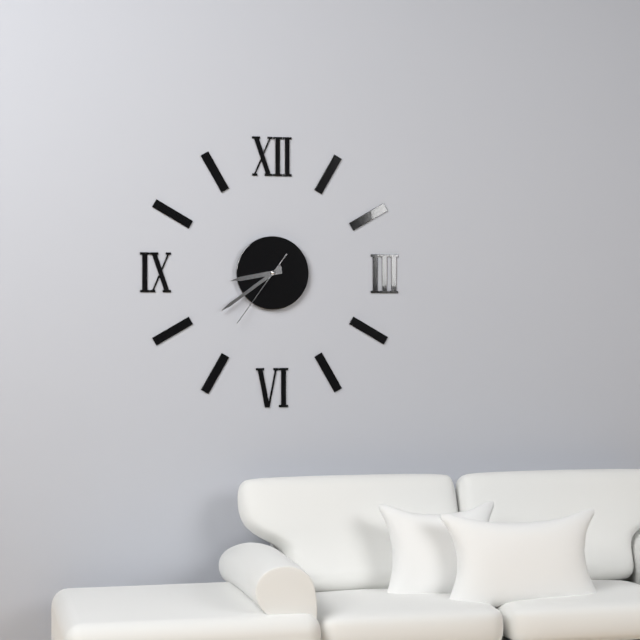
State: 8:39:36
